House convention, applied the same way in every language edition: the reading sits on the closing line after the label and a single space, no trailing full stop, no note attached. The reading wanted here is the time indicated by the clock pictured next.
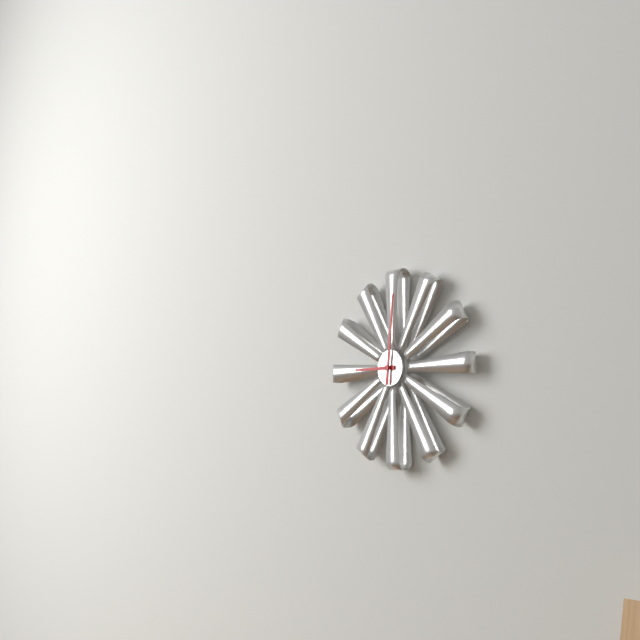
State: 9:01
